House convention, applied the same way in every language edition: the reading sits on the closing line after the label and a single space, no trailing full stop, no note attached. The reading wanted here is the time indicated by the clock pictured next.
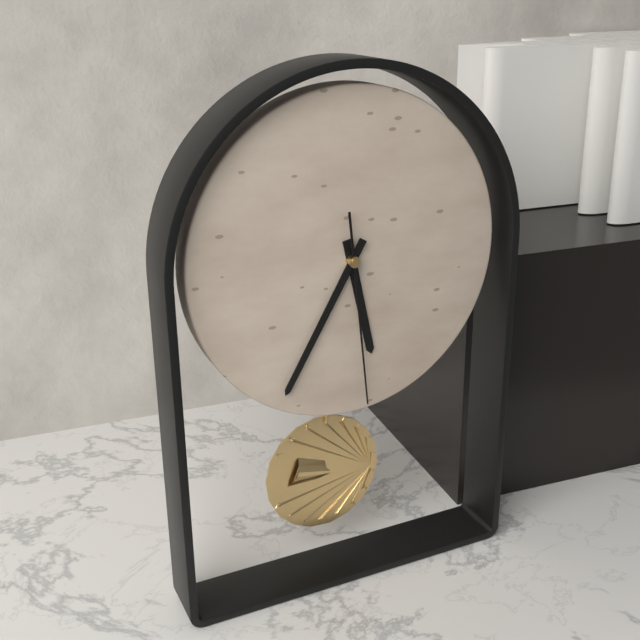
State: 5:35:29
